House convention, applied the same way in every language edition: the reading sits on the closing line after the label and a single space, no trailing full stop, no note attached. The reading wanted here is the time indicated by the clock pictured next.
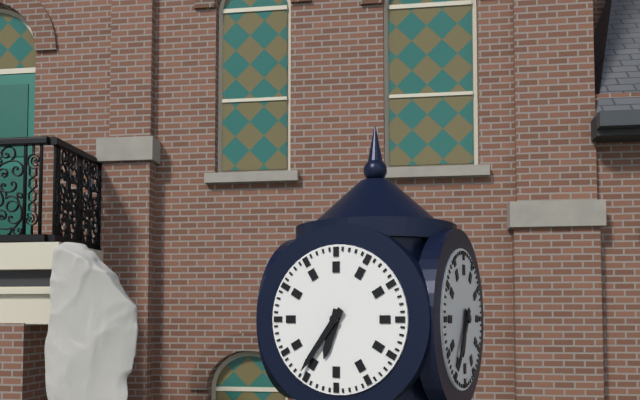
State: 6:36
